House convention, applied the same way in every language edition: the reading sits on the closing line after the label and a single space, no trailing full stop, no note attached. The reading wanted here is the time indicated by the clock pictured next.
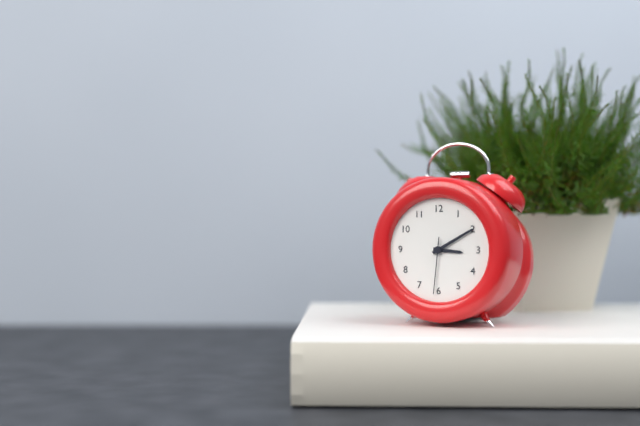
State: 3:10:31
